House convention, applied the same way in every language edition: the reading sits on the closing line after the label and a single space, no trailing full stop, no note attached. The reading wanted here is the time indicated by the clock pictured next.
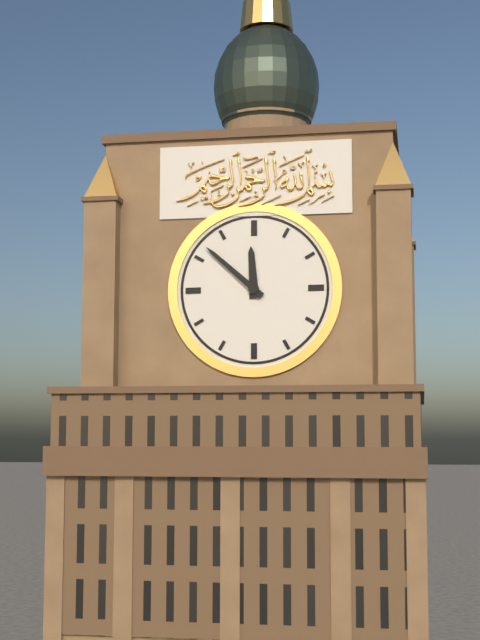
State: 11:52
